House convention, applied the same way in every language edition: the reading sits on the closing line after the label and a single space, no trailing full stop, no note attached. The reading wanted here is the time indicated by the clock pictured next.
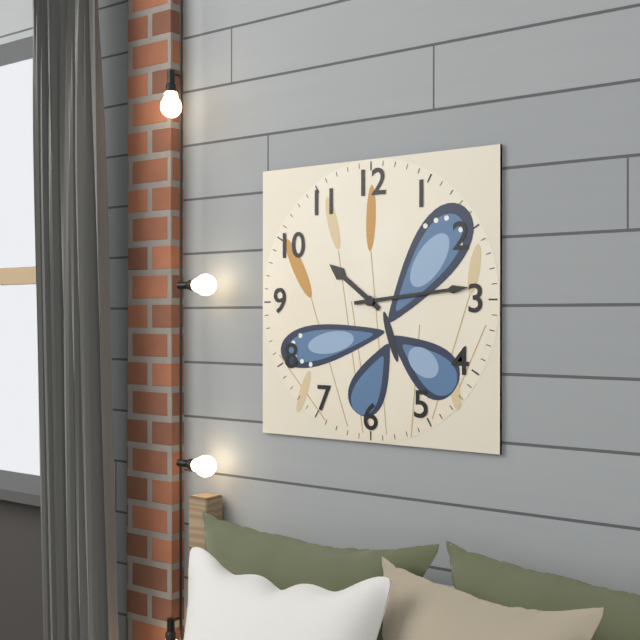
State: 10:14
